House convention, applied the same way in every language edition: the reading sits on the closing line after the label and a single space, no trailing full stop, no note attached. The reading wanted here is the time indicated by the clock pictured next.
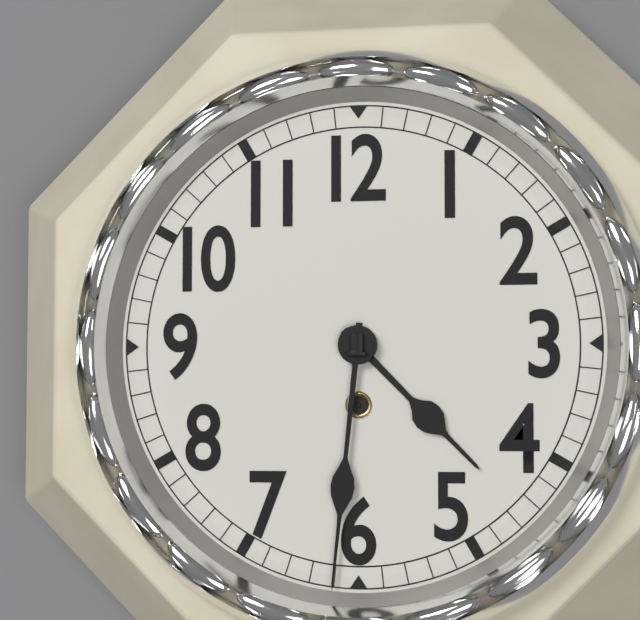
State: 4:31
